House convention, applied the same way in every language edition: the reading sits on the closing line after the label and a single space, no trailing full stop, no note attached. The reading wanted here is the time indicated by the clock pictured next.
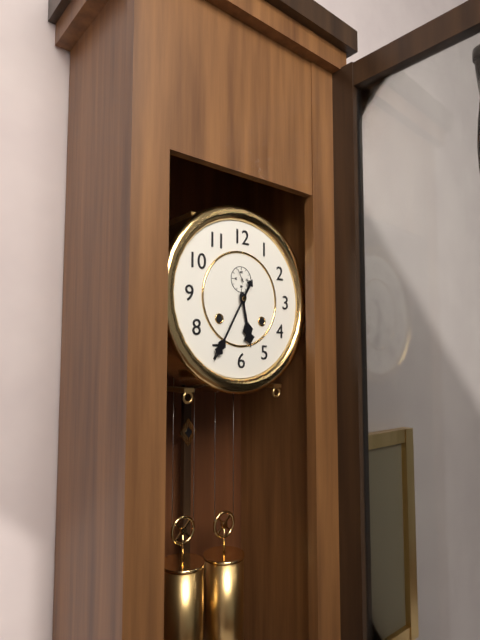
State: 5:35
